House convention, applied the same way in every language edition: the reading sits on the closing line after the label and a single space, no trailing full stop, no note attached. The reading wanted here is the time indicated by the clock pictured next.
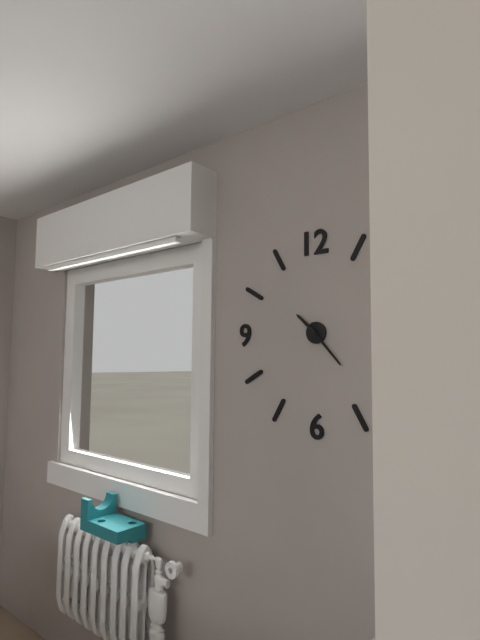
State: 10:23
